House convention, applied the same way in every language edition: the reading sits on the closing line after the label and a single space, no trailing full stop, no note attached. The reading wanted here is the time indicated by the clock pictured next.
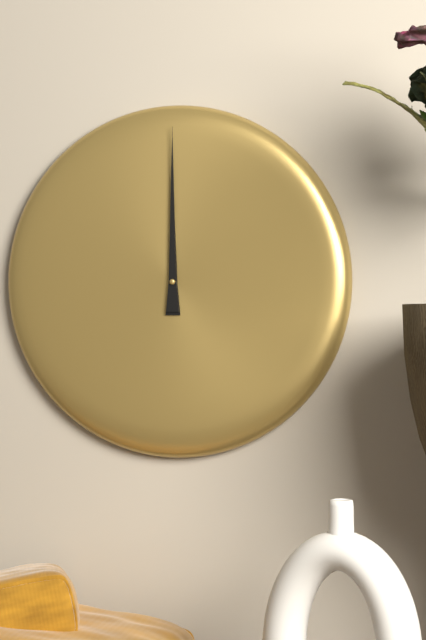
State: 12:00
